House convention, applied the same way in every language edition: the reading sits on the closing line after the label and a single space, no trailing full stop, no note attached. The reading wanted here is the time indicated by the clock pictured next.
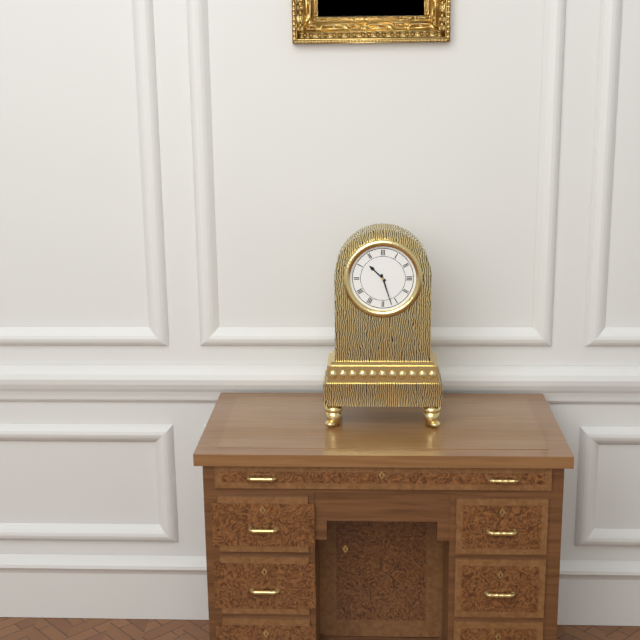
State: 10:27
